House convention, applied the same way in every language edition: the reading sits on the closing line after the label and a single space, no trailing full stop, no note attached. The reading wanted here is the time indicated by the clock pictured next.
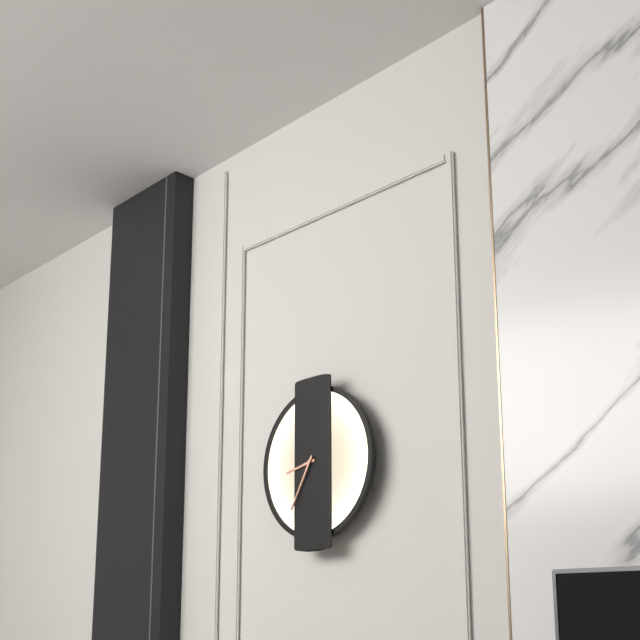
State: 8:35
